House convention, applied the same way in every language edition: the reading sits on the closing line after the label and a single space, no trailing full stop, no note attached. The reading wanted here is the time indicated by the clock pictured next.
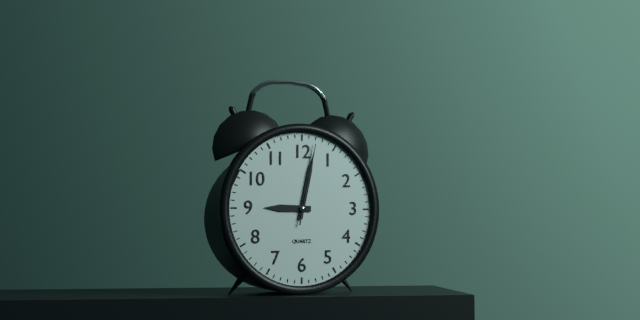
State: 9:02:02
